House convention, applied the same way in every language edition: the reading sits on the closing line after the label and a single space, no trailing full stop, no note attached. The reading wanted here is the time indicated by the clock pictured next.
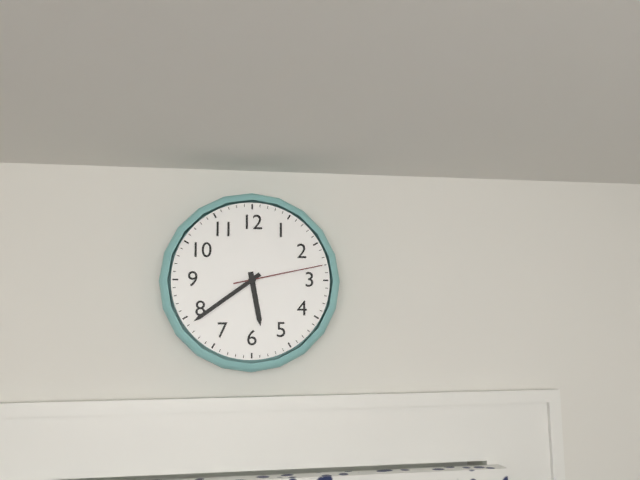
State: 5:39:13
